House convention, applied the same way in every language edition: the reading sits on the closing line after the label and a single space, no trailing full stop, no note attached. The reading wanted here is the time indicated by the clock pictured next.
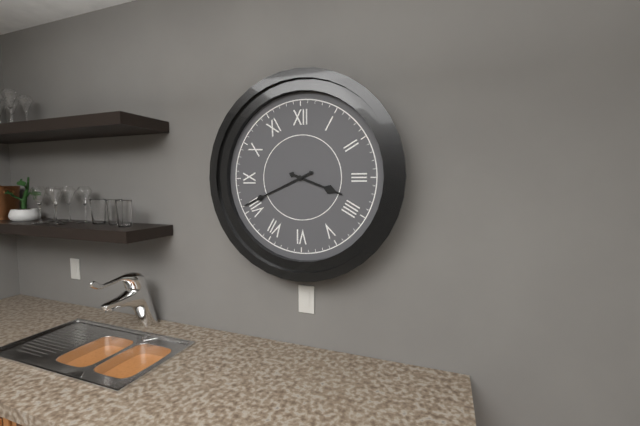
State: 3:41
